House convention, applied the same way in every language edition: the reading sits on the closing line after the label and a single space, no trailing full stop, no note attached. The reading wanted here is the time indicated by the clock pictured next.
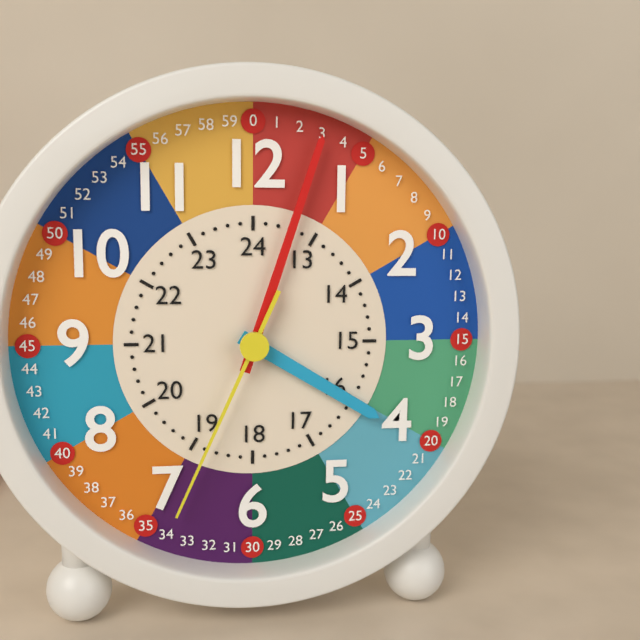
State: 4:03:34
